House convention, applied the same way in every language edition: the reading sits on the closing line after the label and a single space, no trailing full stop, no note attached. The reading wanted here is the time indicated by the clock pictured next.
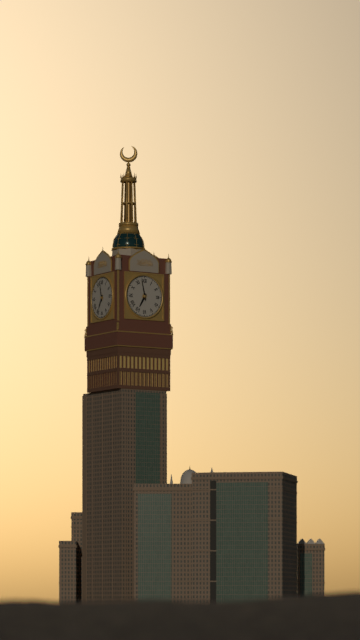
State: 6:58
